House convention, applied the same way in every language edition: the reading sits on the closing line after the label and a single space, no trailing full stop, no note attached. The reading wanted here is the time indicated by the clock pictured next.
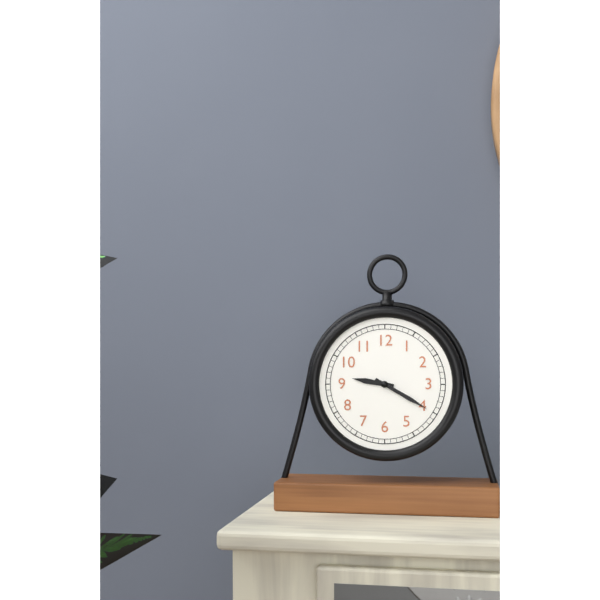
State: 9:20
